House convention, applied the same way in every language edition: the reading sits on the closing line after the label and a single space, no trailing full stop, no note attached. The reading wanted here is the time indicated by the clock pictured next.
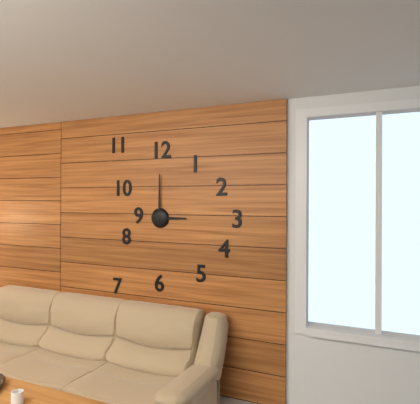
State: 3:00
